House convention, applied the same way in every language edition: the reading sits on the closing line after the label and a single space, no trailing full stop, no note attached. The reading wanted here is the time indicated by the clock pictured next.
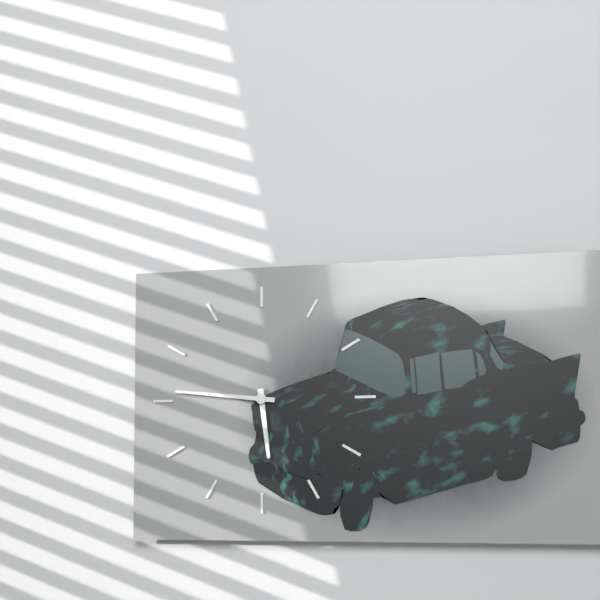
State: 5:46
